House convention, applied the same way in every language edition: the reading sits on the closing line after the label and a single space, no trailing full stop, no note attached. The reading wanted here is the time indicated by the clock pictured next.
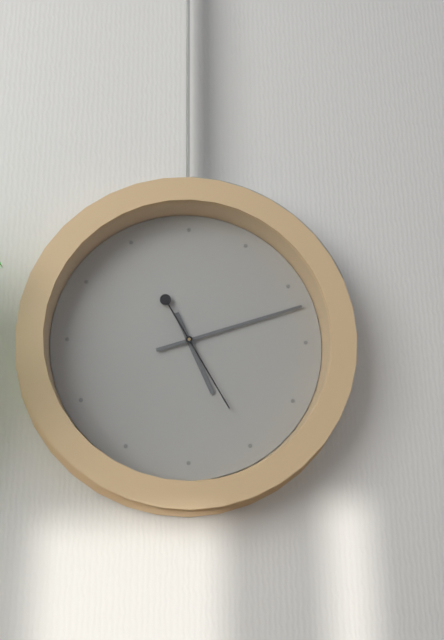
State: 5:12:25
